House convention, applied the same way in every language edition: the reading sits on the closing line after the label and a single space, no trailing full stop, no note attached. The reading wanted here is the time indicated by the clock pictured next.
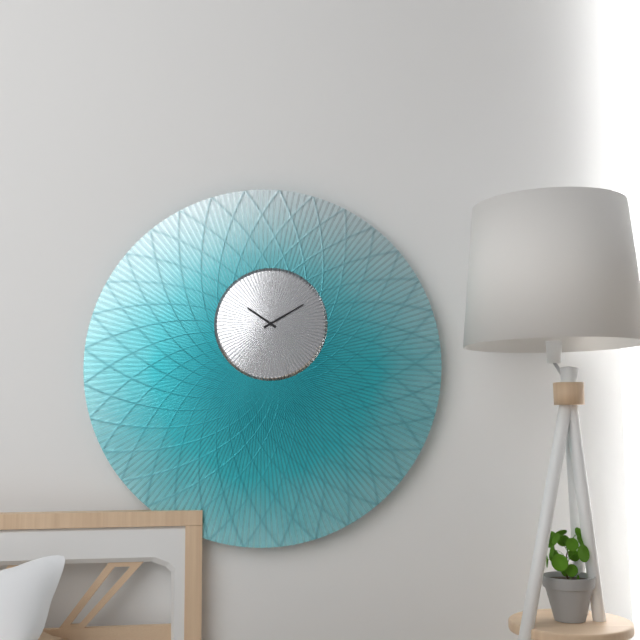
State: 10:10
